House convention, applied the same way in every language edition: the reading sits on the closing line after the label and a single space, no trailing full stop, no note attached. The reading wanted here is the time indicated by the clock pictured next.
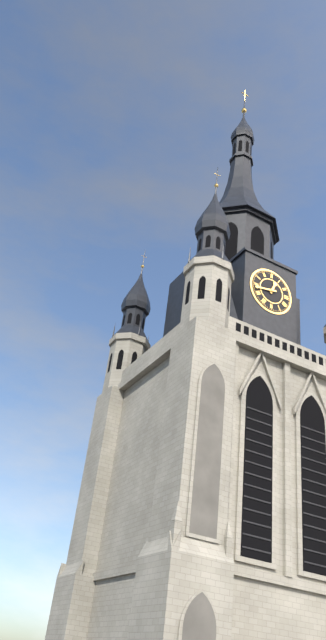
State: 12:43
